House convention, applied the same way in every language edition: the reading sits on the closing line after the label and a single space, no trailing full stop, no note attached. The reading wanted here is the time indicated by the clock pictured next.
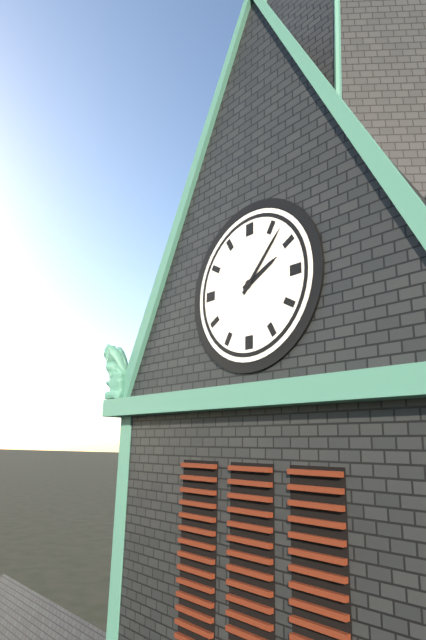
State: 2:07
